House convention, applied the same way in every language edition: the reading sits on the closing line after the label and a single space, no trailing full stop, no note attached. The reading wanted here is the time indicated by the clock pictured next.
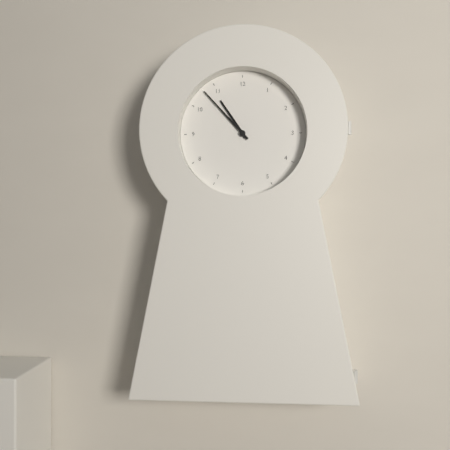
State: 10:53
